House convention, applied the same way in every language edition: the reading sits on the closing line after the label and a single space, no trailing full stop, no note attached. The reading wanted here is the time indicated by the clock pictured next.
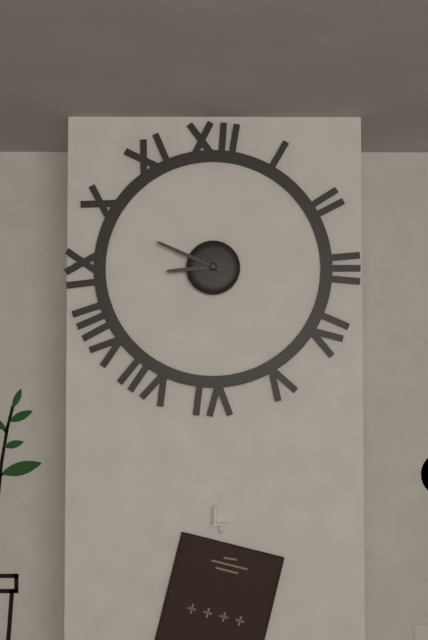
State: 8:49
